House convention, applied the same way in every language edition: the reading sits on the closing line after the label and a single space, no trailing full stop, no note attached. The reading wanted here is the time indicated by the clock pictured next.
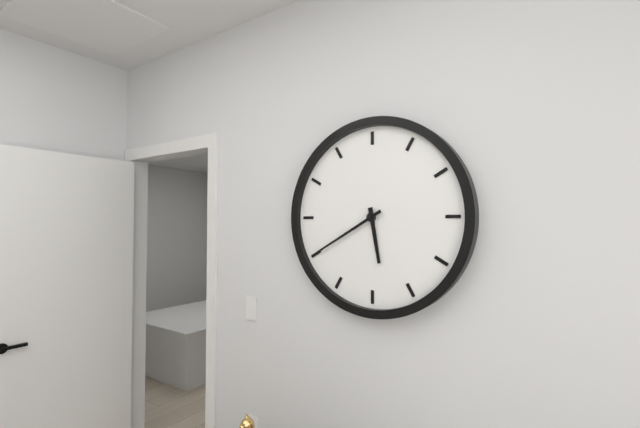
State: 5:40
